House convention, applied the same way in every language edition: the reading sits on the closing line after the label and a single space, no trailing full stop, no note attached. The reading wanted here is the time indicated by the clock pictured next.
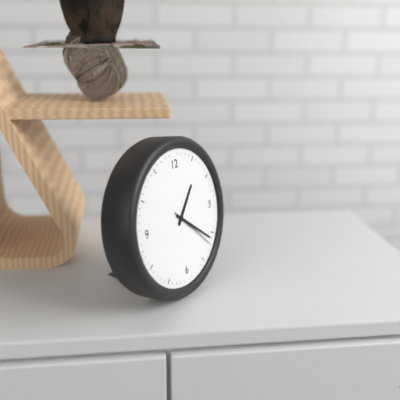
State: 1:21
